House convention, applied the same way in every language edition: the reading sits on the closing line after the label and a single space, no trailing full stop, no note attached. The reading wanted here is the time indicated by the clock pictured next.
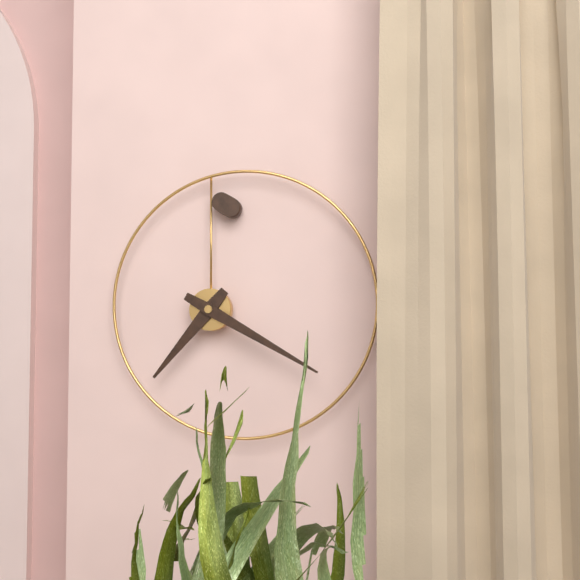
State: 7:20
